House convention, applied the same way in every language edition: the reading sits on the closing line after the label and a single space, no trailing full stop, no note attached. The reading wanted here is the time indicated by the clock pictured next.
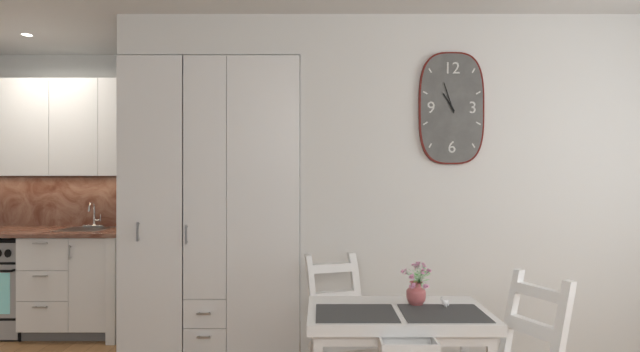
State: 10:57
